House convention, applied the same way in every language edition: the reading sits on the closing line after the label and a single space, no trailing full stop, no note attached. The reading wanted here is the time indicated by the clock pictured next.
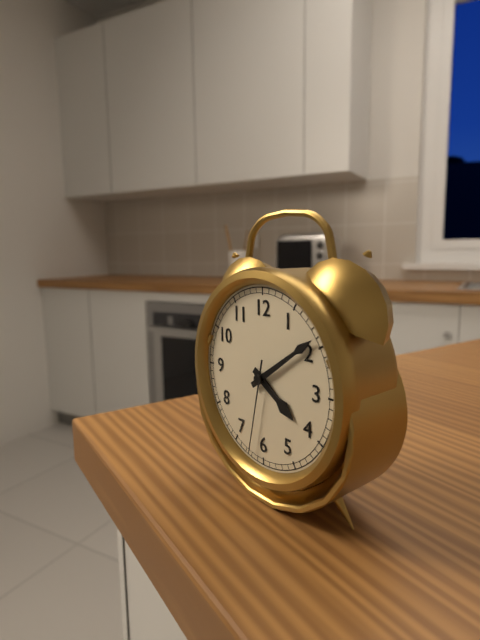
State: 4:09:32
